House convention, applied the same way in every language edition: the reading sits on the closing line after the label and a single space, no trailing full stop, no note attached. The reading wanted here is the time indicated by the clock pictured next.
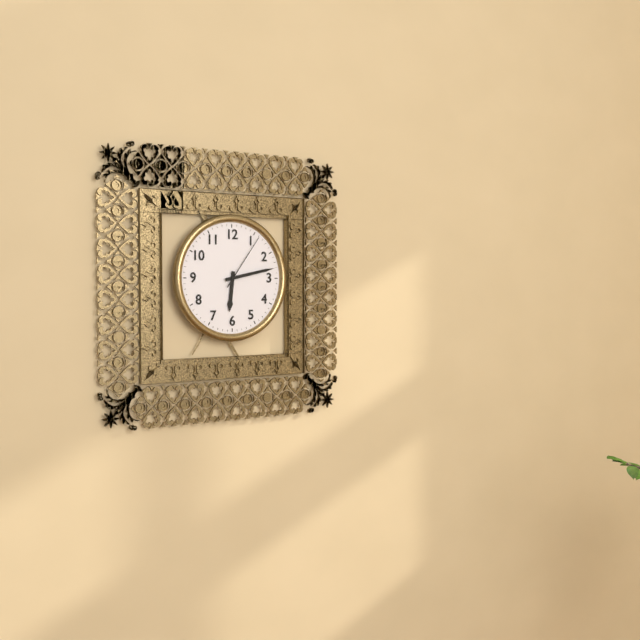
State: 6:13:06
